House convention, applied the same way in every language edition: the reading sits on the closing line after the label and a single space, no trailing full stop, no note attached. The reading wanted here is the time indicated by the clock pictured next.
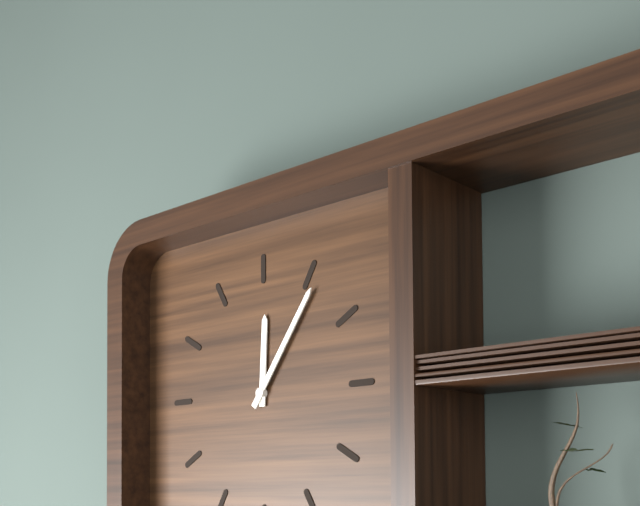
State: 12:06
